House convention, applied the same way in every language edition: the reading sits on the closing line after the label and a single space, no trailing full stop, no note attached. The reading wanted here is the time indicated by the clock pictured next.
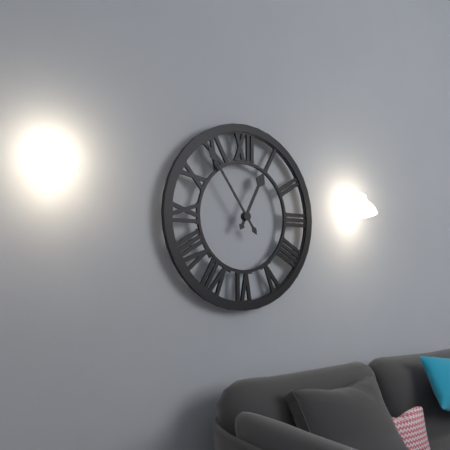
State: 12:54
